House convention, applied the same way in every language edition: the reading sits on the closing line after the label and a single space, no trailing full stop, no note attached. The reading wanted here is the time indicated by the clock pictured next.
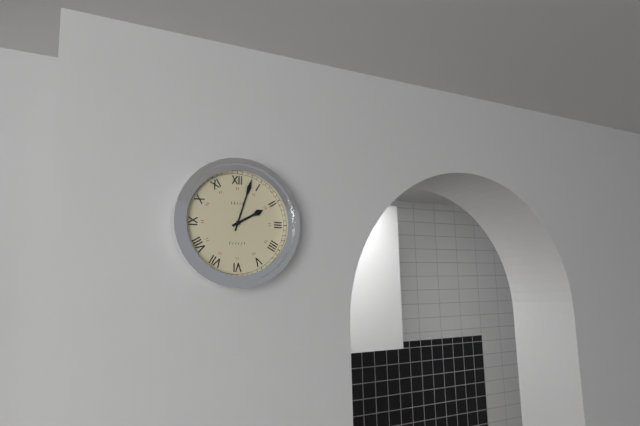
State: 2:03
